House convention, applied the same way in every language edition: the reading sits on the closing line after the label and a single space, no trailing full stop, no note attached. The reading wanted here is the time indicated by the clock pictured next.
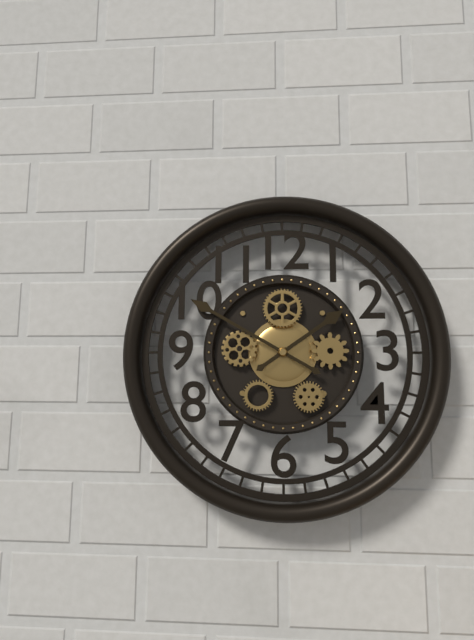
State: 1:50
